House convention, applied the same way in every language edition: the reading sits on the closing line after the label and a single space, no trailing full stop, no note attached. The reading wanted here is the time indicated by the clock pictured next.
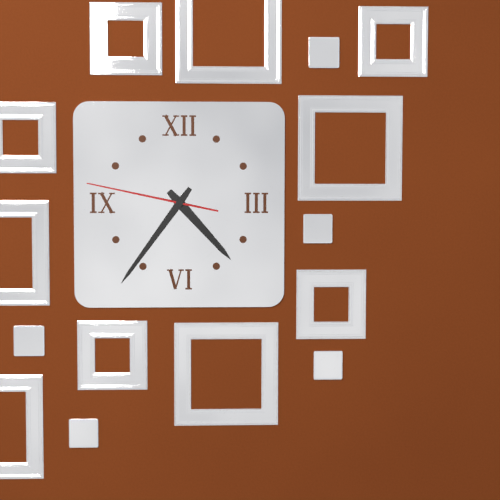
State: 4:36:47
